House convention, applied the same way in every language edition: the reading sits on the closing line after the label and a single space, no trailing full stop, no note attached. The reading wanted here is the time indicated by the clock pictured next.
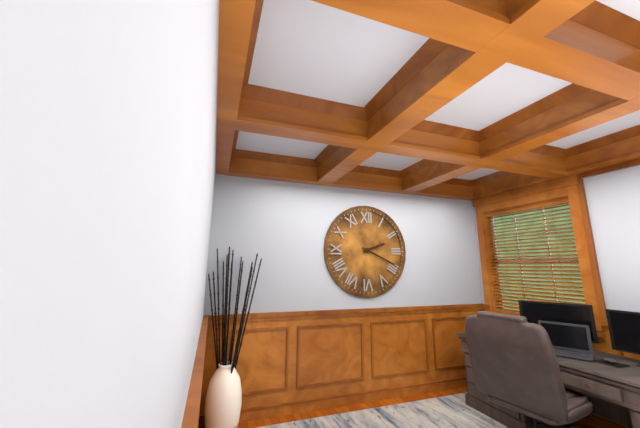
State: 2:19
